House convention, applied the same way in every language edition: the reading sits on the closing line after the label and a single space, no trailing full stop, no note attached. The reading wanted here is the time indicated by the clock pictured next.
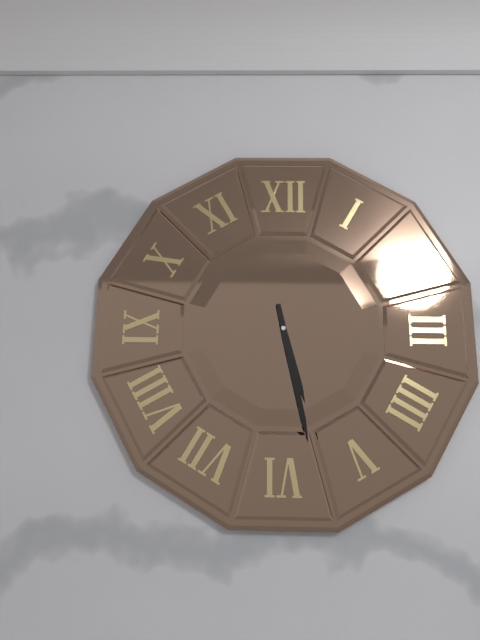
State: 5:28
